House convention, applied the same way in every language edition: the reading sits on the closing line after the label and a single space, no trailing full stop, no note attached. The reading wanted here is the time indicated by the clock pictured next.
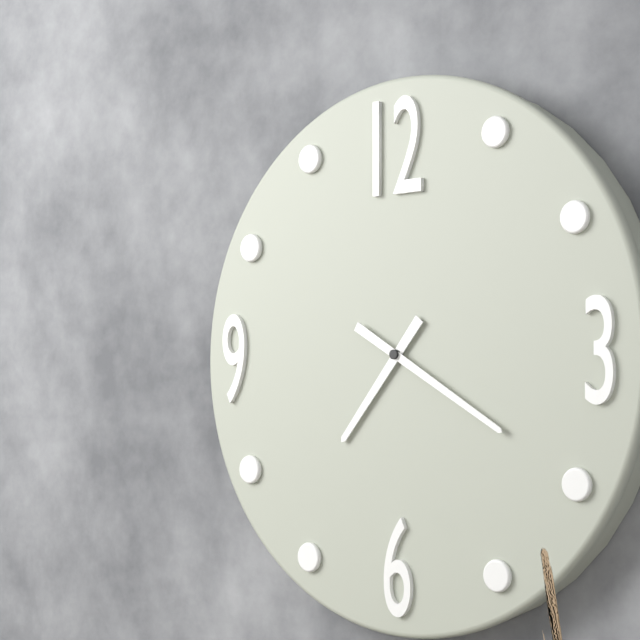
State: 7:20
